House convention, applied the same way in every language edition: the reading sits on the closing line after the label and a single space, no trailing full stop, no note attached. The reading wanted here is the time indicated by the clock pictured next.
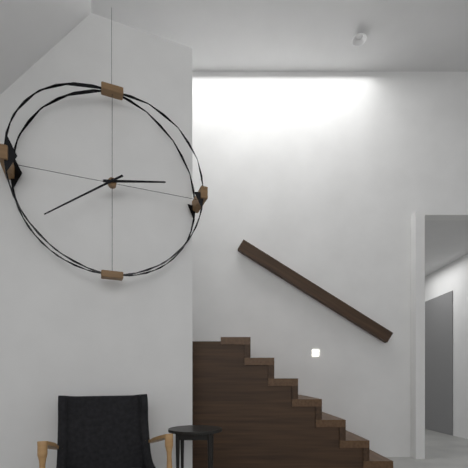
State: 2:39
